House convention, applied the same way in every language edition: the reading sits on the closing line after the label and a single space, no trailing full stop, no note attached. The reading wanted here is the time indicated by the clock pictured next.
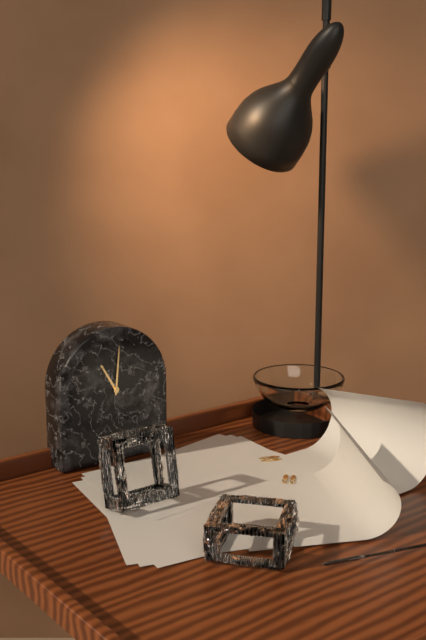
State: 11:01
